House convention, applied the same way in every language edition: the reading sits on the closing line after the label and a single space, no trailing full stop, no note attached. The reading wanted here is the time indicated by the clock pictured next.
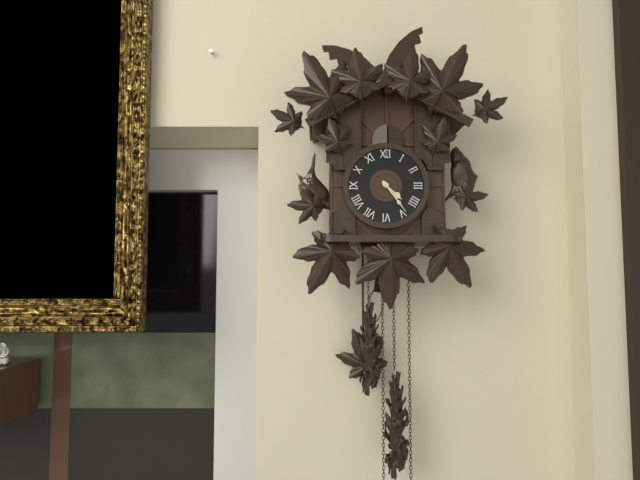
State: 4:24
